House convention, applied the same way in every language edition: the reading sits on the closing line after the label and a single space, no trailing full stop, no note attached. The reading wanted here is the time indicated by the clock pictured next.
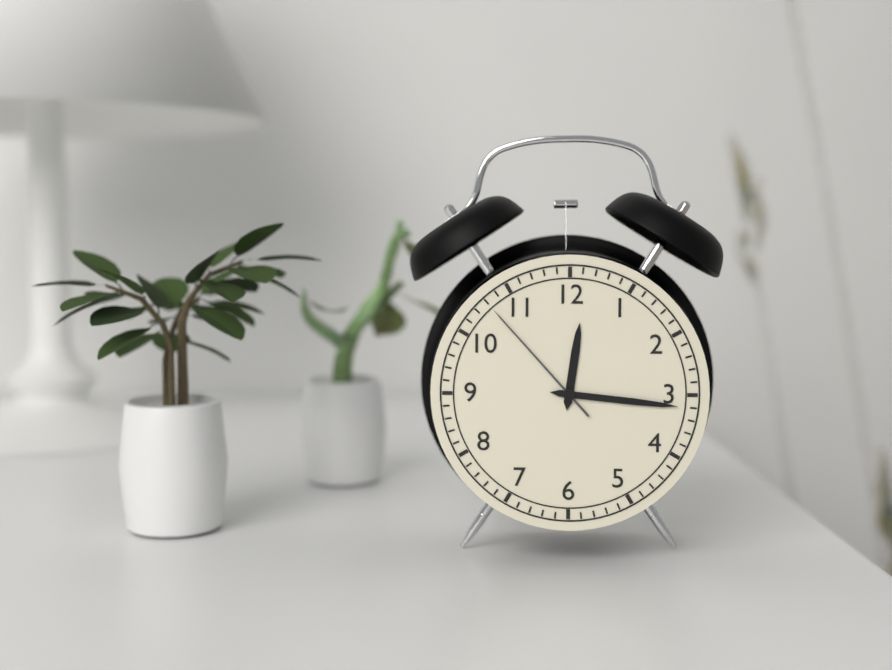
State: 12:16:53
